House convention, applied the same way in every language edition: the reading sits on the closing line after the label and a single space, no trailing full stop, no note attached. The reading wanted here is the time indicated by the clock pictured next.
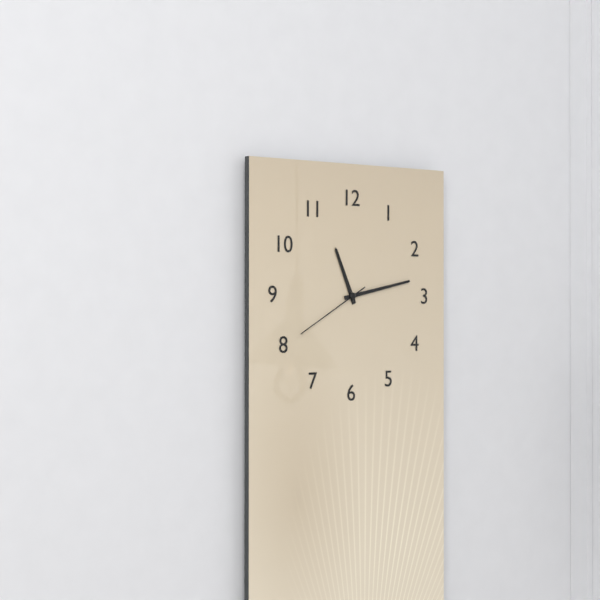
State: 11:13:40
